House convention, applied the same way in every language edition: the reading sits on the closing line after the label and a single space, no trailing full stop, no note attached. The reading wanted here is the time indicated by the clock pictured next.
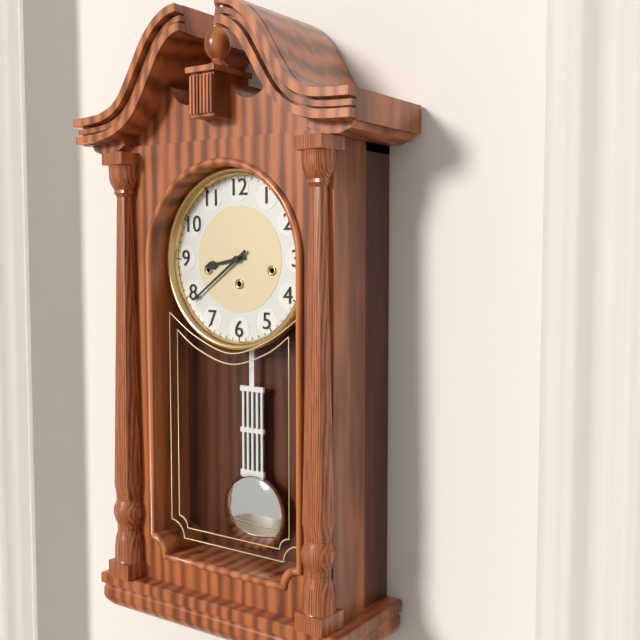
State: 8:39
